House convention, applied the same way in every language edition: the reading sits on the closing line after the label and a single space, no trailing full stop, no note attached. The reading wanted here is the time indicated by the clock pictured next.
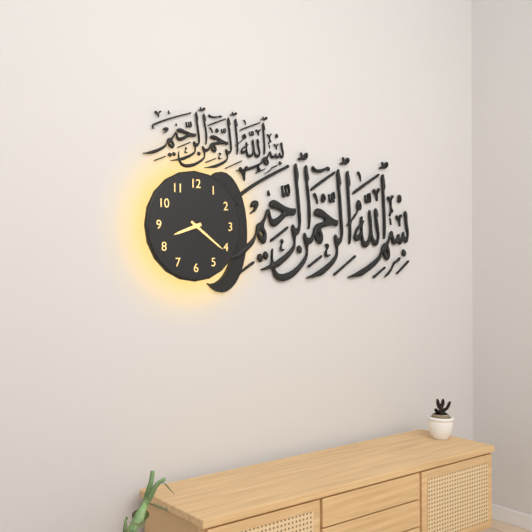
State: 8:21
